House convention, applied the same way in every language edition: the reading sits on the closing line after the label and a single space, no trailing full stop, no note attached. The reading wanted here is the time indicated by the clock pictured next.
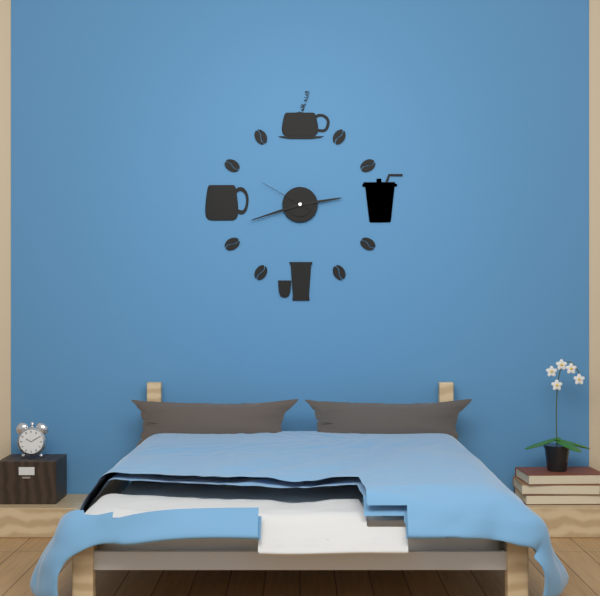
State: 2:42:50
